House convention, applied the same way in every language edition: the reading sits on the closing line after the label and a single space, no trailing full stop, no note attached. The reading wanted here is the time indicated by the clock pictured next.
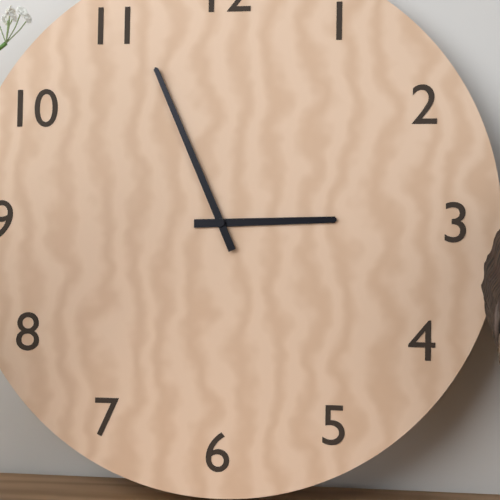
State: 2:56
